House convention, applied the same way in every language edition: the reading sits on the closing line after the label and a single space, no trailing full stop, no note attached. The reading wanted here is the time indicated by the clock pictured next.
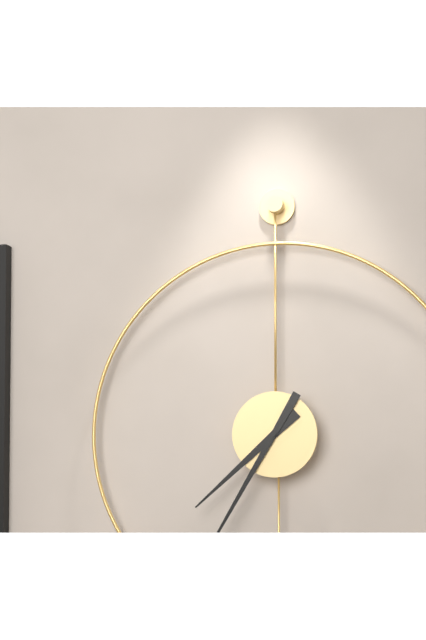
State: 7:35
